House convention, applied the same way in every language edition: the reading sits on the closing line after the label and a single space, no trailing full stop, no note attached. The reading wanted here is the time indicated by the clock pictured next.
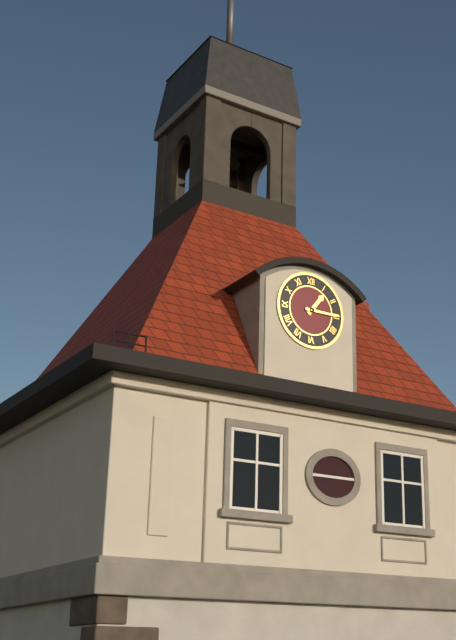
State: 1:15
